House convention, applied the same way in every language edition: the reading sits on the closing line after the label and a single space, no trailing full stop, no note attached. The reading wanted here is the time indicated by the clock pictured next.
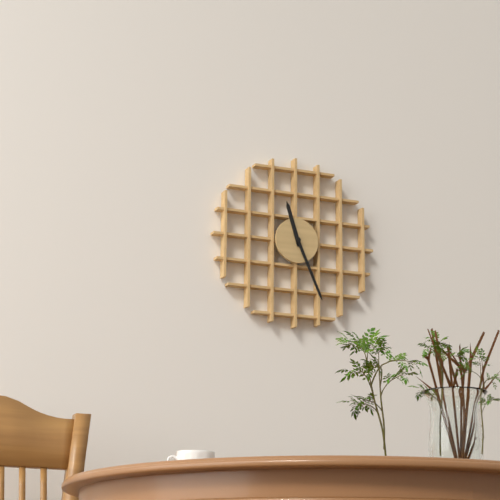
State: 11:26
